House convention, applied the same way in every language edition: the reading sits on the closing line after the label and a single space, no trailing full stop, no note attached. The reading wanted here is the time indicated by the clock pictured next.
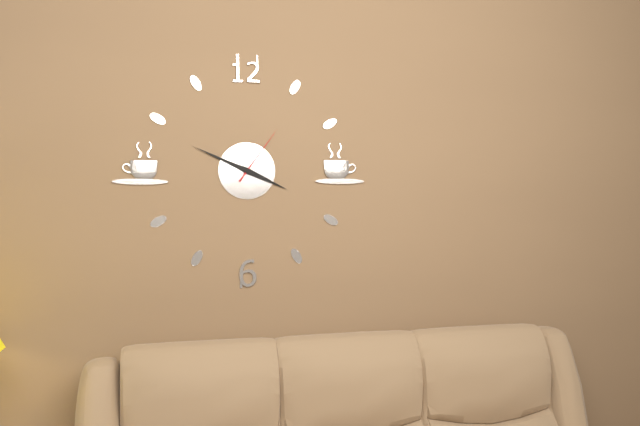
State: 3:49:06
